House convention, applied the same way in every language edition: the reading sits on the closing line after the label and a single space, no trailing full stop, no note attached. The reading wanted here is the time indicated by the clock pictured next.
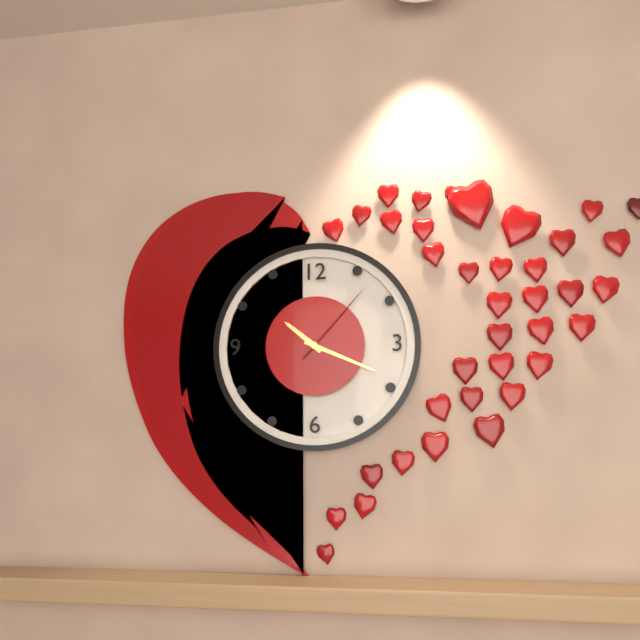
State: 10:19:07
